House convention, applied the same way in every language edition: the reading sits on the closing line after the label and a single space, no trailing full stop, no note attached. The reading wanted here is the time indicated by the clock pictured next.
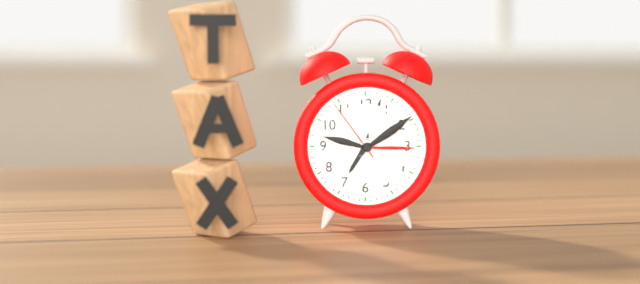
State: 7:03:54
